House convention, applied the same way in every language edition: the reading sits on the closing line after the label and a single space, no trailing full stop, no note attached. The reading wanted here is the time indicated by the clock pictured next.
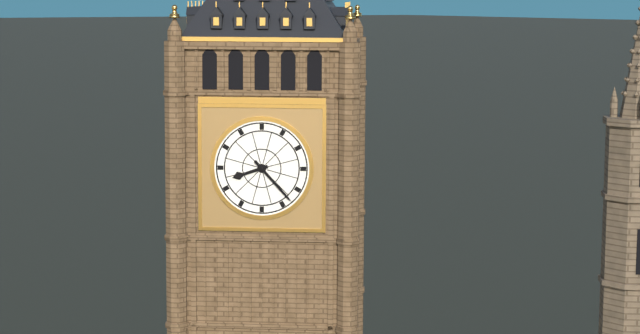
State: 8:23
